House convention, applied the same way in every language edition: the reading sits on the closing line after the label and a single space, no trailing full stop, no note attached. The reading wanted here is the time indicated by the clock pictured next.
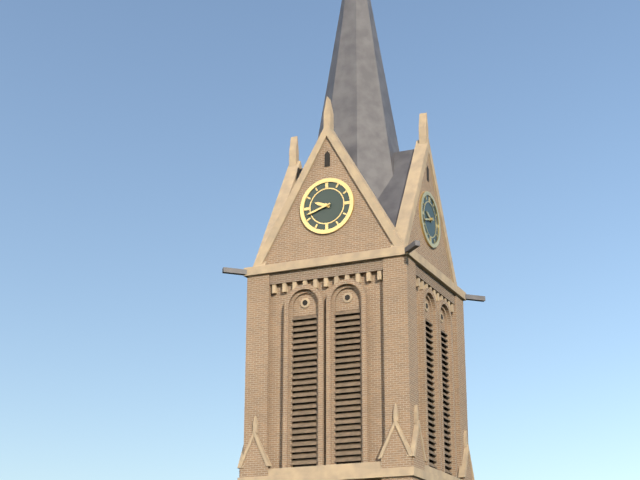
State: 9:42
